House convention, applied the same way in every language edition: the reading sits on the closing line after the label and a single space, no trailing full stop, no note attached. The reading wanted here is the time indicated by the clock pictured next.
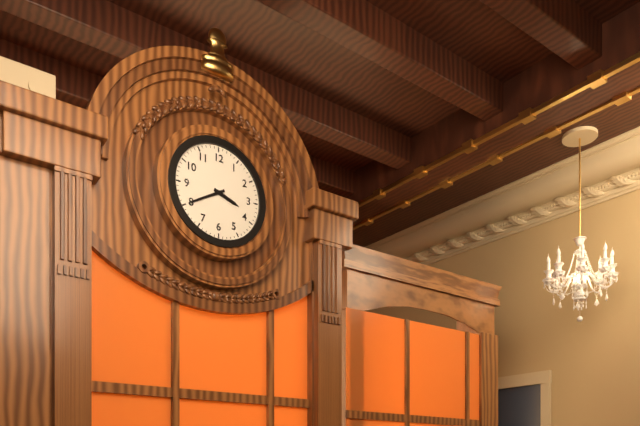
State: 3:40
